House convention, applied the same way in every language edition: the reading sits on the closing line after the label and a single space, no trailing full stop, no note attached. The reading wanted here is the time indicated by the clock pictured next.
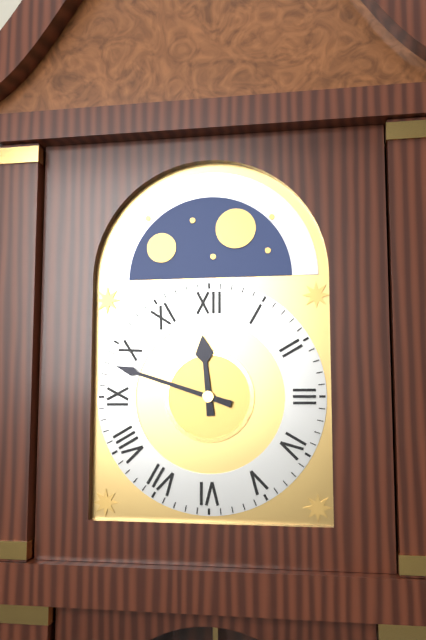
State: 11:48
